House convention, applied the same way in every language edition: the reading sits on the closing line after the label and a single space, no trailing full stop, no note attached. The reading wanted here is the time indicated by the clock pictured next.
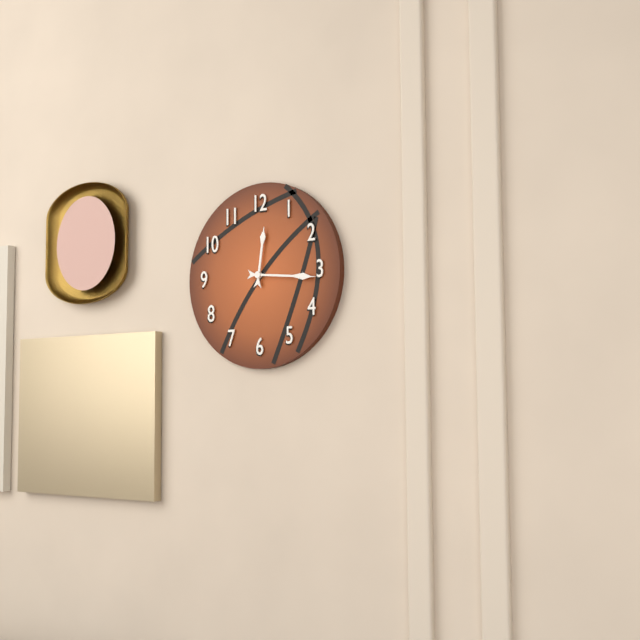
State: 12:16
